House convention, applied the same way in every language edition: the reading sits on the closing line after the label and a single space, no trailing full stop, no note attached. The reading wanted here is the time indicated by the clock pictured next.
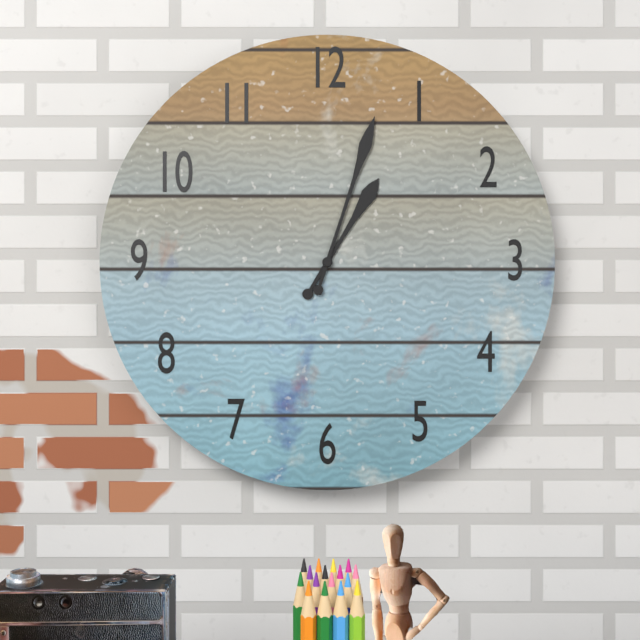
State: 1:03
